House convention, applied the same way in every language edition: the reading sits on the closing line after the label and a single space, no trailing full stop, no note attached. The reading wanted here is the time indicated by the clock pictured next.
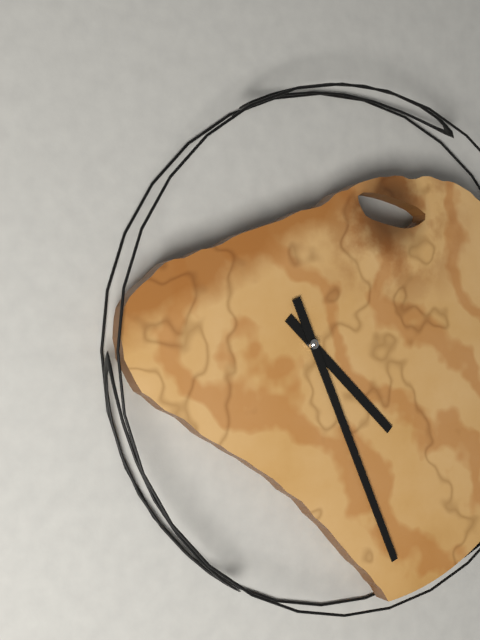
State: 4:26
